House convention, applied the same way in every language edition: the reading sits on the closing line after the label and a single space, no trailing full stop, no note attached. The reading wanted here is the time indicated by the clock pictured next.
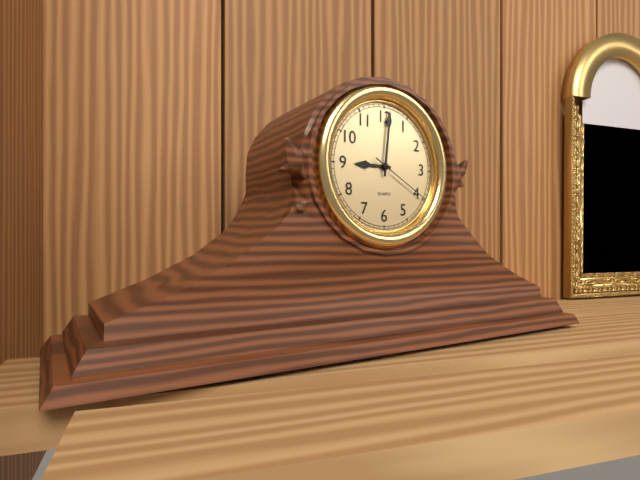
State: 9:01:20
